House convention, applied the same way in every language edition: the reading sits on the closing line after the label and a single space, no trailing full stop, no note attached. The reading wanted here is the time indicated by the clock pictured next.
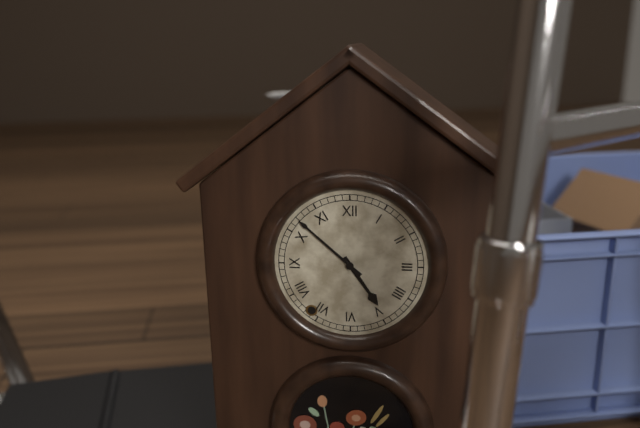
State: 4:52
